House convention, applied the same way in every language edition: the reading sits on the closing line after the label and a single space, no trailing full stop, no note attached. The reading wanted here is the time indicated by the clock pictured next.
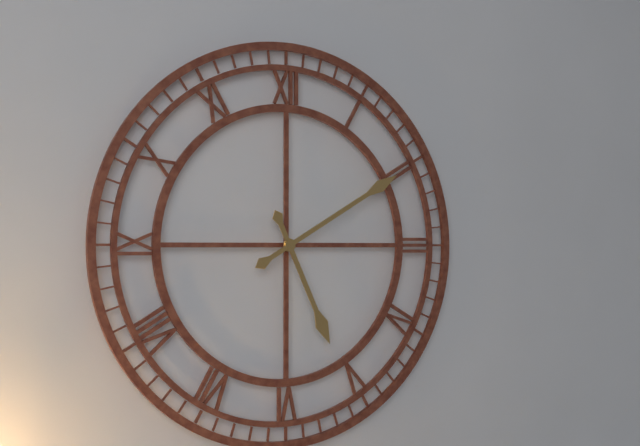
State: 5:10
